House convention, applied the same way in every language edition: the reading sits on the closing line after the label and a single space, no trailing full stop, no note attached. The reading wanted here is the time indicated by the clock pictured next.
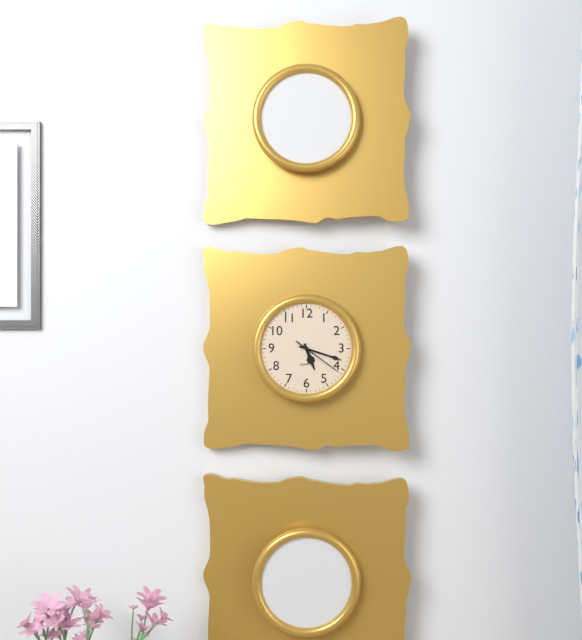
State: 5:18:21
